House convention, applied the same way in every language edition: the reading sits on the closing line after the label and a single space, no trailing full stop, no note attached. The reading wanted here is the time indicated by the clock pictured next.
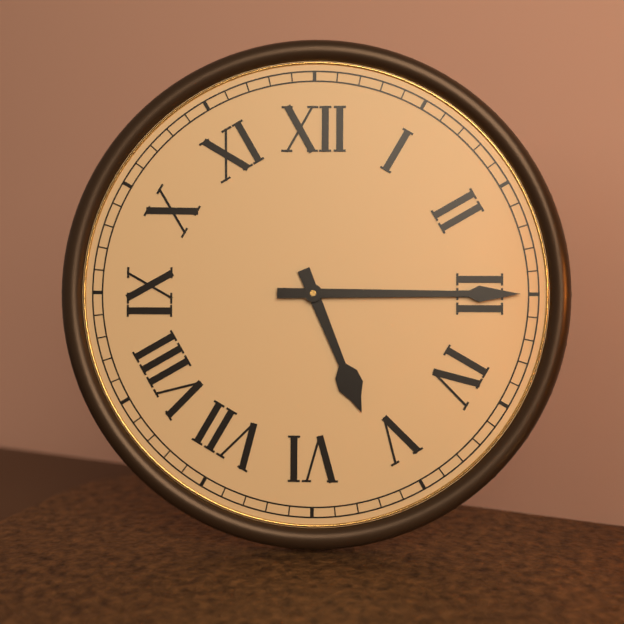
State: 5:15
